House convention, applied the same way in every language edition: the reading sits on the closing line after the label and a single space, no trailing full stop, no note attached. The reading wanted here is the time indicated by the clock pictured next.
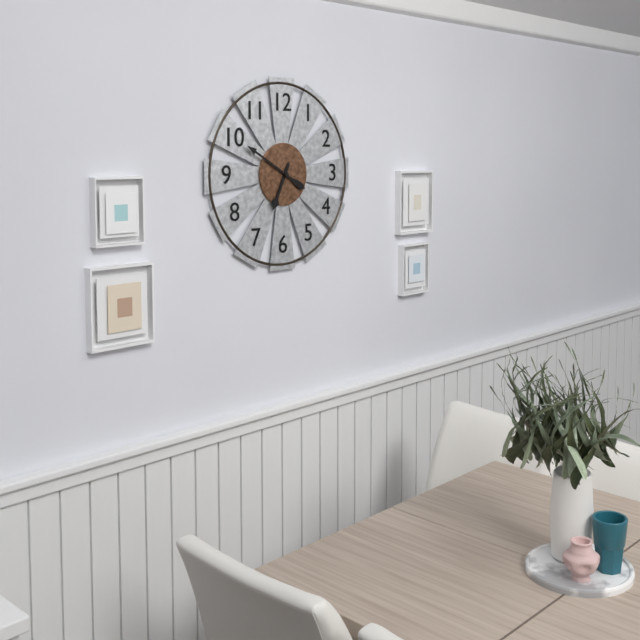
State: 6:50
